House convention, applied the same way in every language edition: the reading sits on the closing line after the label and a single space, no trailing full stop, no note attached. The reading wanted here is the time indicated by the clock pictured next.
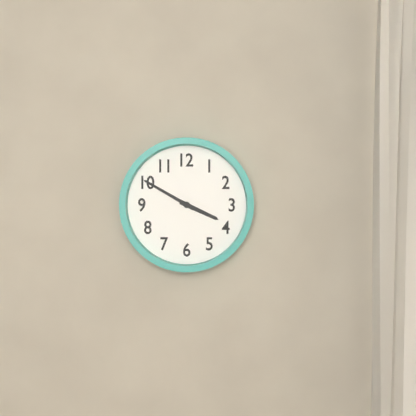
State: 3:50
